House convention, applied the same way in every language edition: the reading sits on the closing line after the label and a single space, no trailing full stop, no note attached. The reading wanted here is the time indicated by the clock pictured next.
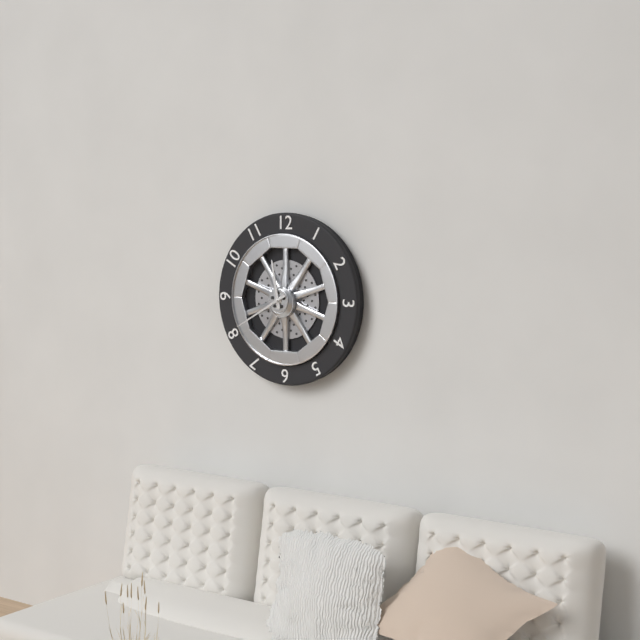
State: 11:40
